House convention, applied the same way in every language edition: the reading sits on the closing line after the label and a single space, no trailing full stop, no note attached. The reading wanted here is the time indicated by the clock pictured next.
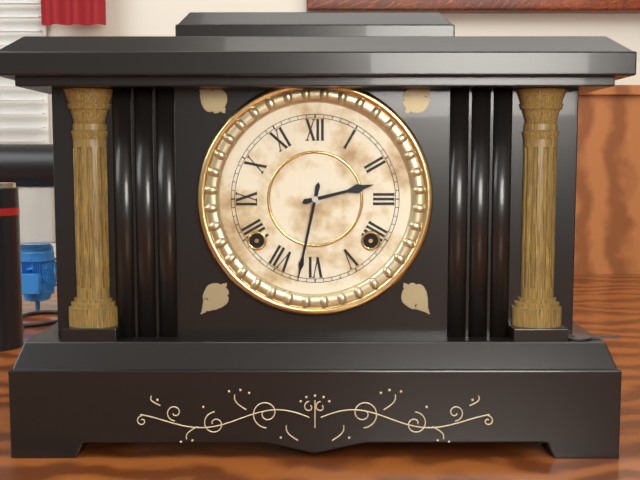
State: 2:32
